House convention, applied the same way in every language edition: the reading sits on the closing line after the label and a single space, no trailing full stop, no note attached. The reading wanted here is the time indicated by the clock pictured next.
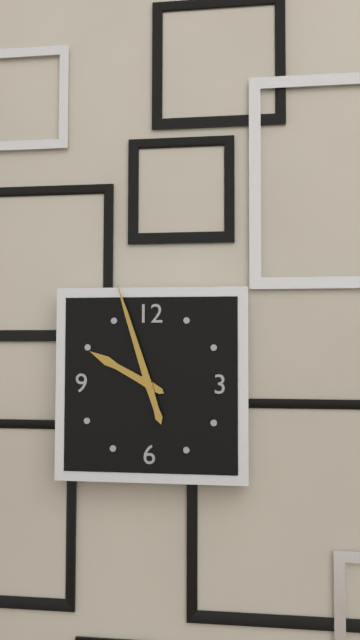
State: 9:57
